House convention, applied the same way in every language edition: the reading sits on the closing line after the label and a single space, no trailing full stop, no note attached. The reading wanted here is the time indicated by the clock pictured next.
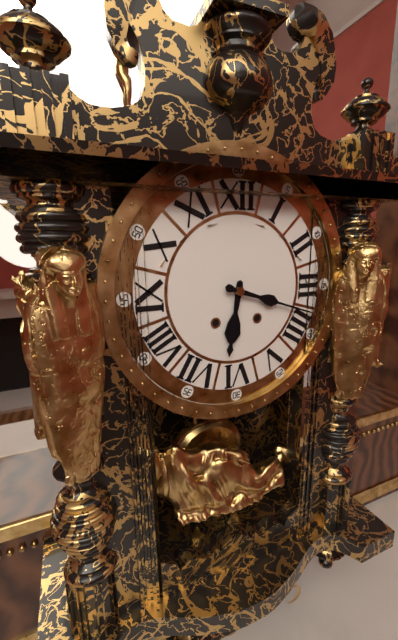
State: 6:18
